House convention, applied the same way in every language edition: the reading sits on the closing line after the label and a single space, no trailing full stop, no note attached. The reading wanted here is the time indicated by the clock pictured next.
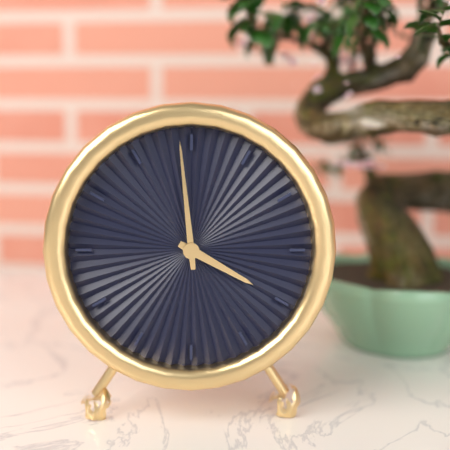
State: 3:59
